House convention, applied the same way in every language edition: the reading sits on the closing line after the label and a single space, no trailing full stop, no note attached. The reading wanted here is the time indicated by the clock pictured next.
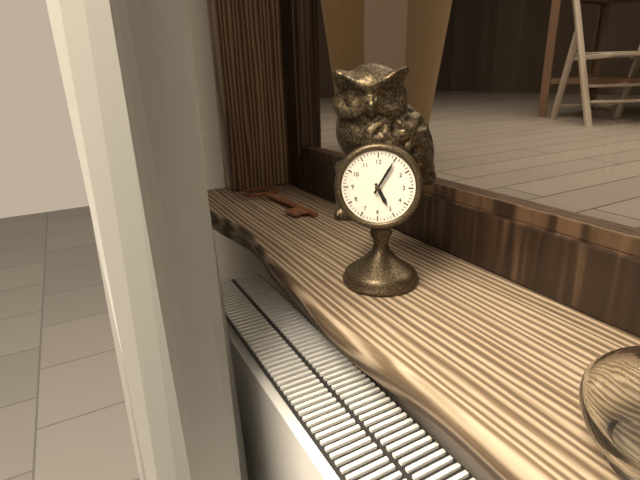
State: 5:05
